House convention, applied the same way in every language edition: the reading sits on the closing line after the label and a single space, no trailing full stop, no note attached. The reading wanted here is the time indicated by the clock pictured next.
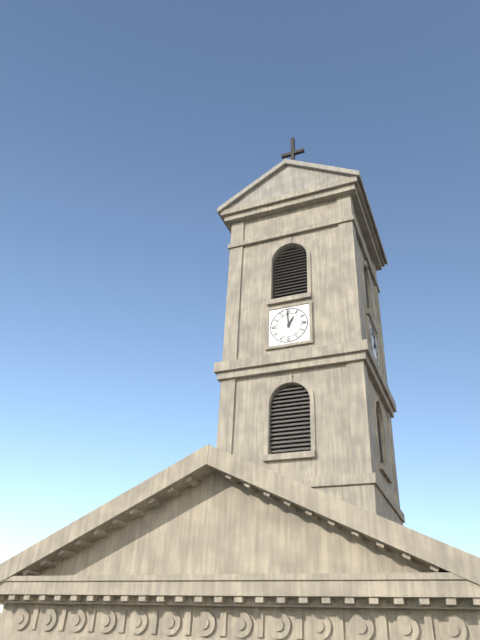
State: 12:59
